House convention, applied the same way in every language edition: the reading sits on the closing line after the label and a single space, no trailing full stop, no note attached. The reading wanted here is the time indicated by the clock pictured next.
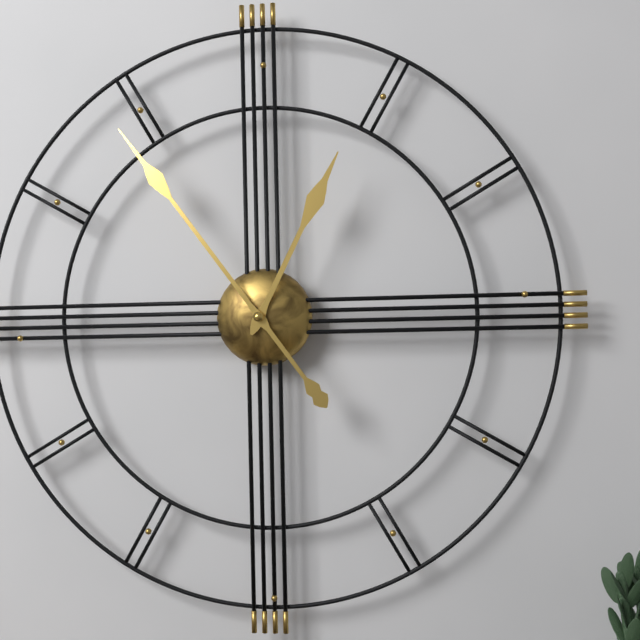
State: 12:54
